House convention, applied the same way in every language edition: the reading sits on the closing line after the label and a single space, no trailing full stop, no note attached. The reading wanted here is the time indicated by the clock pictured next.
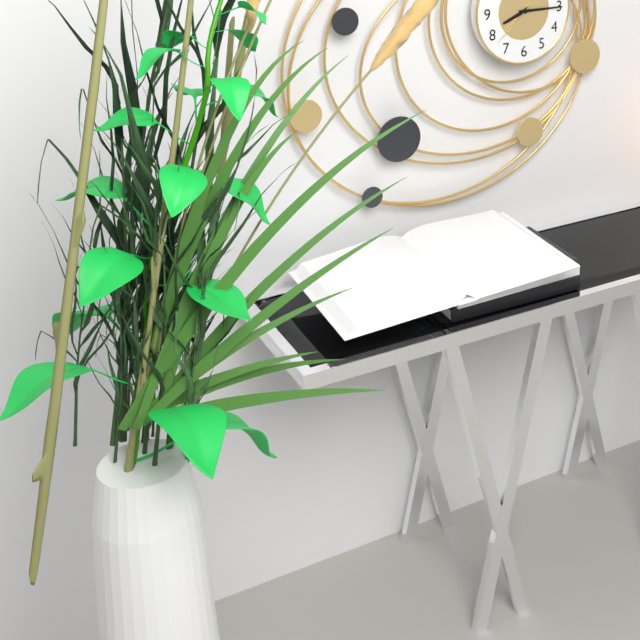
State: 8:15:38
